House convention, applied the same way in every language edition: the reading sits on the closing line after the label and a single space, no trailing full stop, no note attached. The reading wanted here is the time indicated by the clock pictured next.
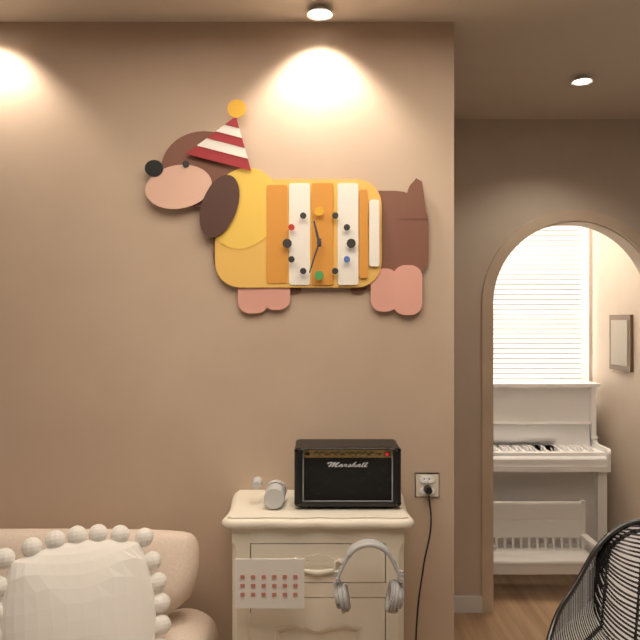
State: 11:33
